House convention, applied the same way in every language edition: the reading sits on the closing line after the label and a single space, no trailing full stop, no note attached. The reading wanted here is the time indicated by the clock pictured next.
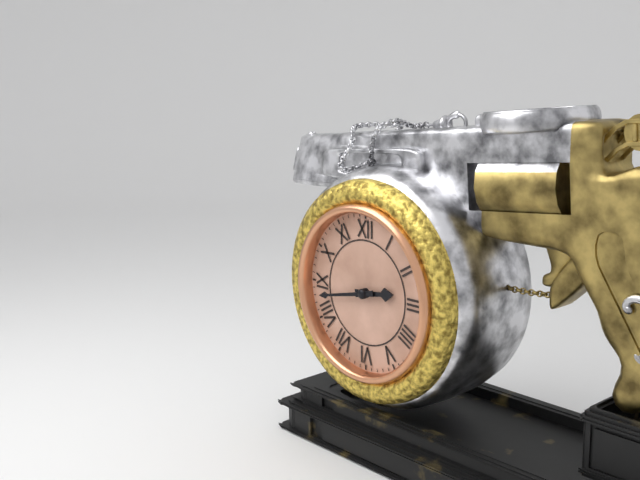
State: 2:43
